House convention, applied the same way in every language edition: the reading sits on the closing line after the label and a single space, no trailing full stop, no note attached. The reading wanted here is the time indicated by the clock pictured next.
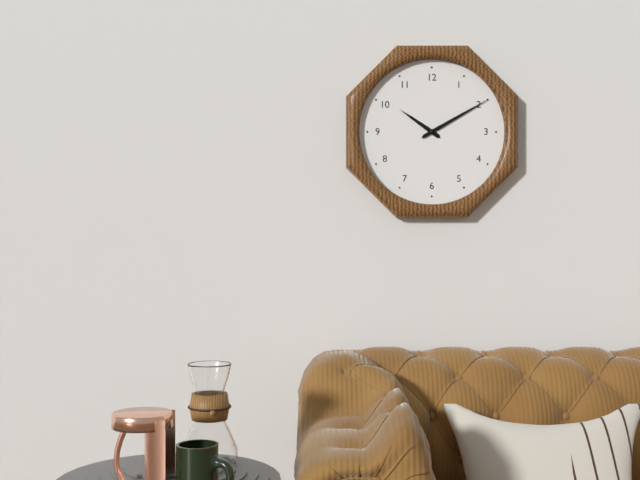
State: 10:10
